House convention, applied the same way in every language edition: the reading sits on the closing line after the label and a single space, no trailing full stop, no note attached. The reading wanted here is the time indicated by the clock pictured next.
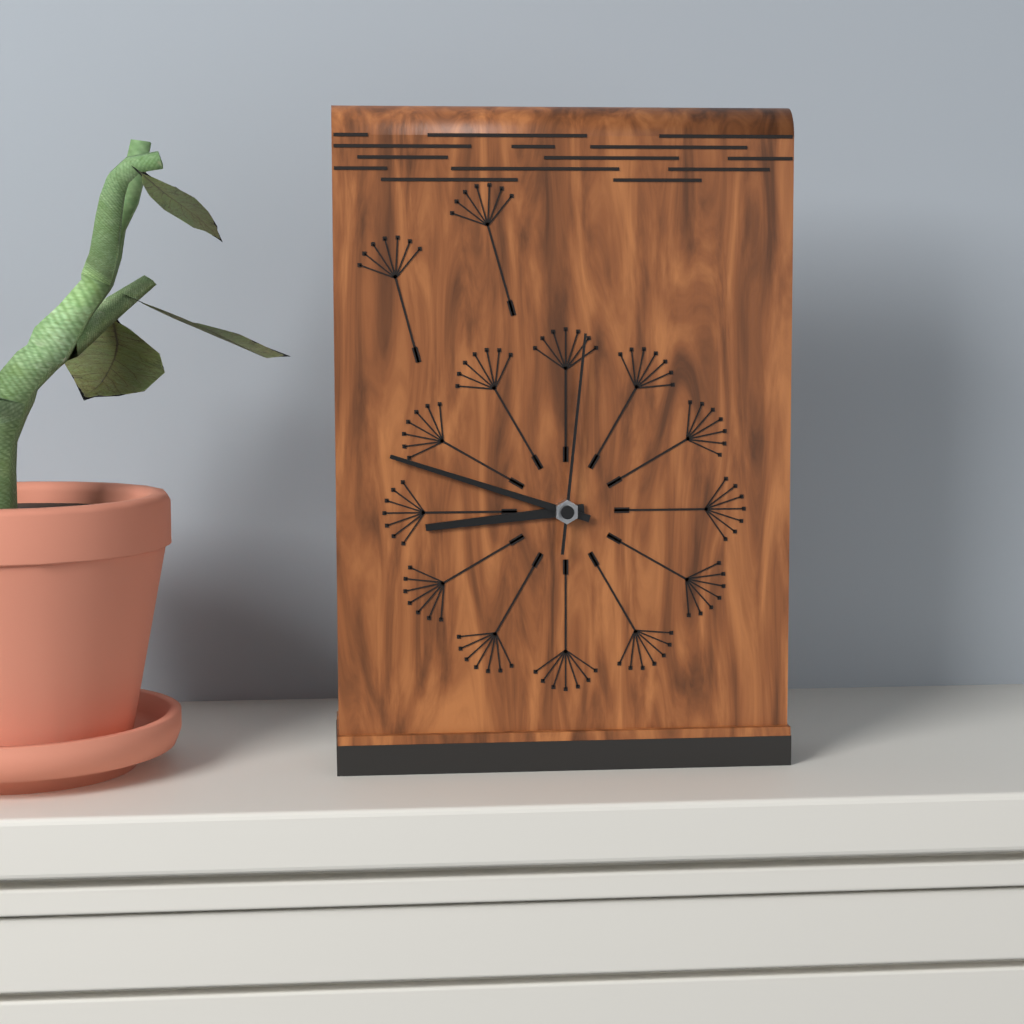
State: 8:48:01
